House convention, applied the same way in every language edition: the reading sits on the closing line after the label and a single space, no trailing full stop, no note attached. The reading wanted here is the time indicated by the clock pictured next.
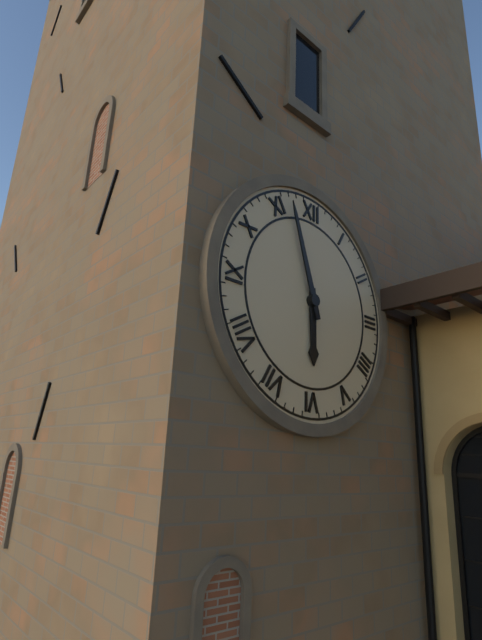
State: 5:57
